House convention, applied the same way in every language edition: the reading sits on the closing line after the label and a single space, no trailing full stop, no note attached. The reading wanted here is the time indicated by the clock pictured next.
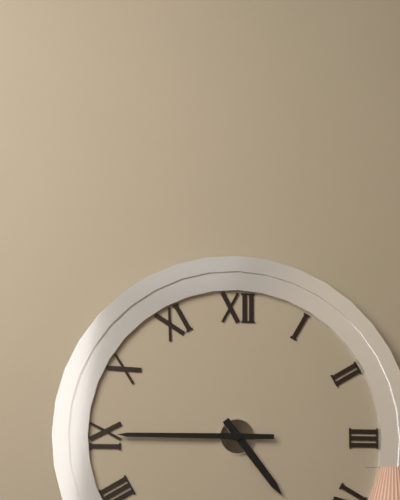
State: 4:45
